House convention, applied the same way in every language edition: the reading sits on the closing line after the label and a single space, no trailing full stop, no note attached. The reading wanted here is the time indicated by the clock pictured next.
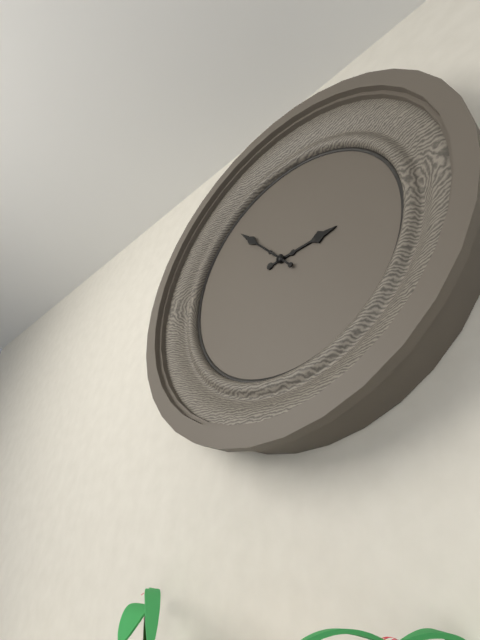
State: 2:53
